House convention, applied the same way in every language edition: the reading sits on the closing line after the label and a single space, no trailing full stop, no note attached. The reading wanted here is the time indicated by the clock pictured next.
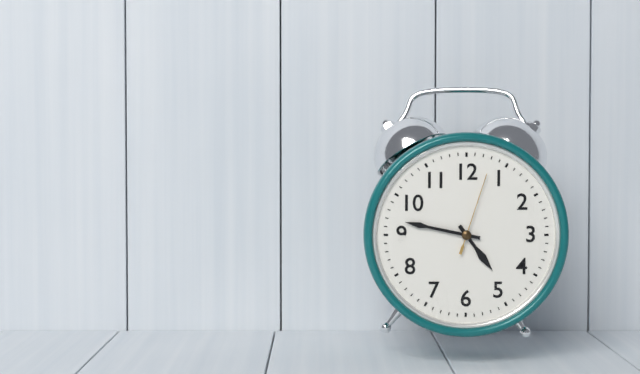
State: 4:47:03
